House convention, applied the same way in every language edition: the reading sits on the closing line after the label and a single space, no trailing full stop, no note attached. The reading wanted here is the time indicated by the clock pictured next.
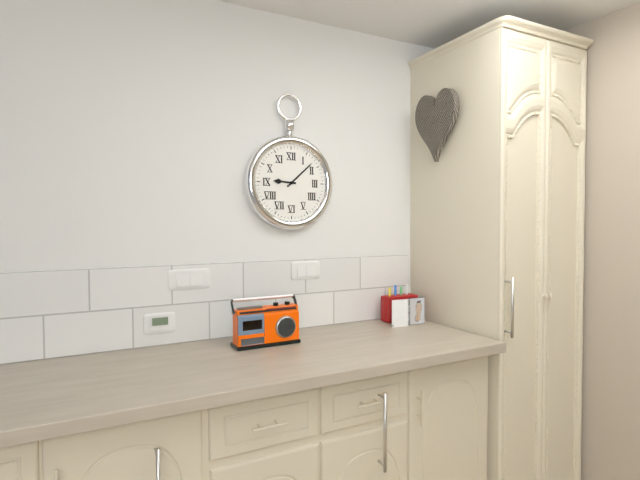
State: 9:08
